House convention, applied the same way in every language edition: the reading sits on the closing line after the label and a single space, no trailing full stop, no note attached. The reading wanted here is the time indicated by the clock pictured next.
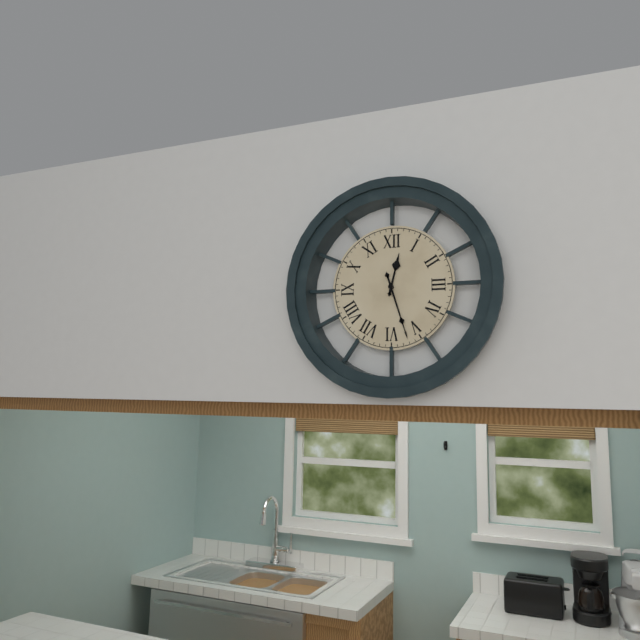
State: 12:27
